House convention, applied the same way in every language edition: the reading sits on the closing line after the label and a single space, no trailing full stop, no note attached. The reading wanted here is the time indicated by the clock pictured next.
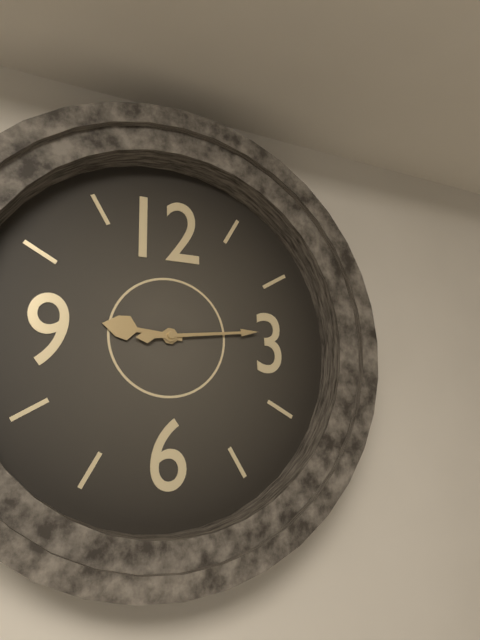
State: 9:14
